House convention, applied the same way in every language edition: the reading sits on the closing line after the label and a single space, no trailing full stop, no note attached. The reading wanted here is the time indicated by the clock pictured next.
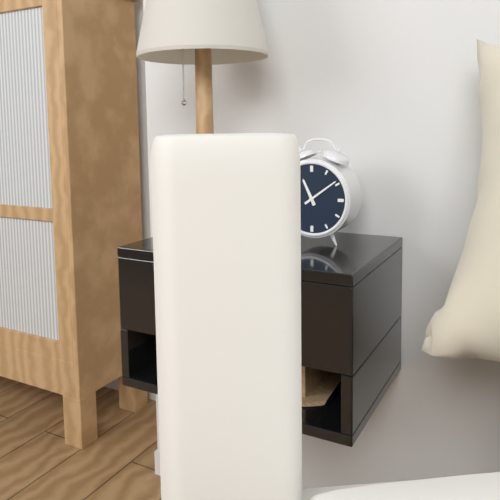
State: 11:09
